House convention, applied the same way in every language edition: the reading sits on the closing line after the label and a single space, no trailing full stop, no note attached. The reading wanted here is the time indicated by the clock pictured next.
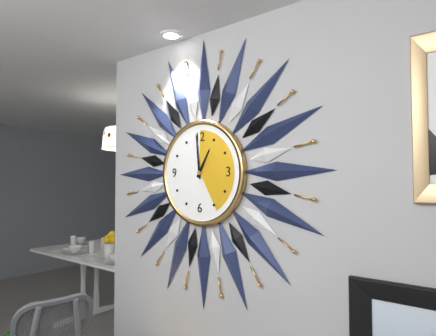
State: 12:59
